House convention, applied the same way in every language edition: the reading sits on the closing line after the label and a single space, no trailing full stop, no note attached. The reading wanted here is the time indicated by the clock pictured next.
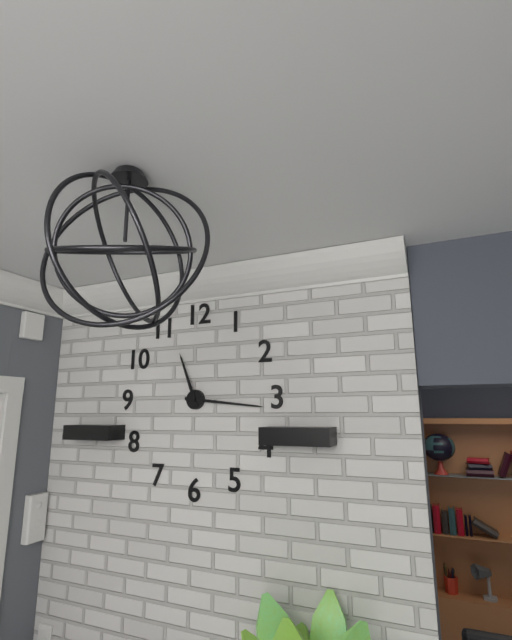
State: 11:16
